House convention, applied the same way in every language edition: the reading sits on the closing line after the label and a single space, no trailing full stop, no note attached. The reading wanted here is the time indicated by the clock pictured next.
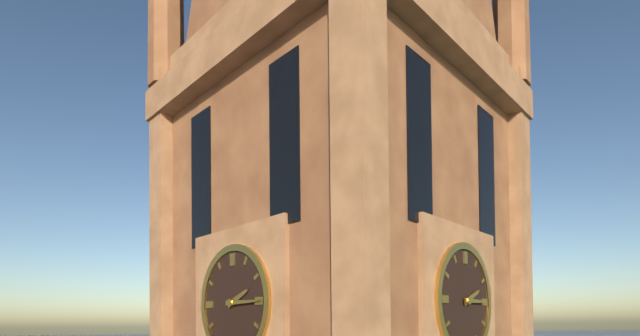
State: 2:15
